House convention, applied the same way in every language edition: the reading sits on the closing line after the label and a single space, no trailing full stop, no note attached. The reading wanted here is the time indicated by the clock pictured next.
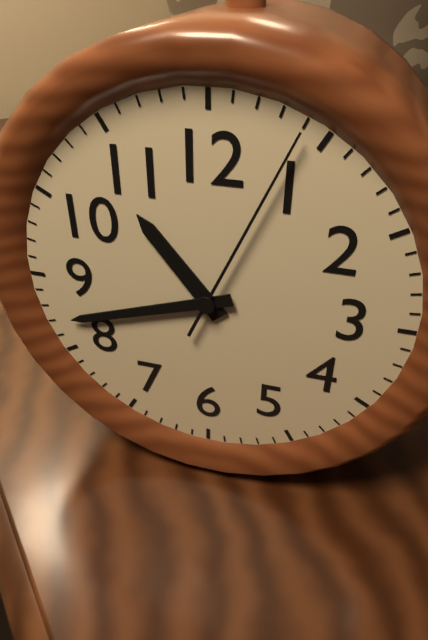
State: 10:42:04
